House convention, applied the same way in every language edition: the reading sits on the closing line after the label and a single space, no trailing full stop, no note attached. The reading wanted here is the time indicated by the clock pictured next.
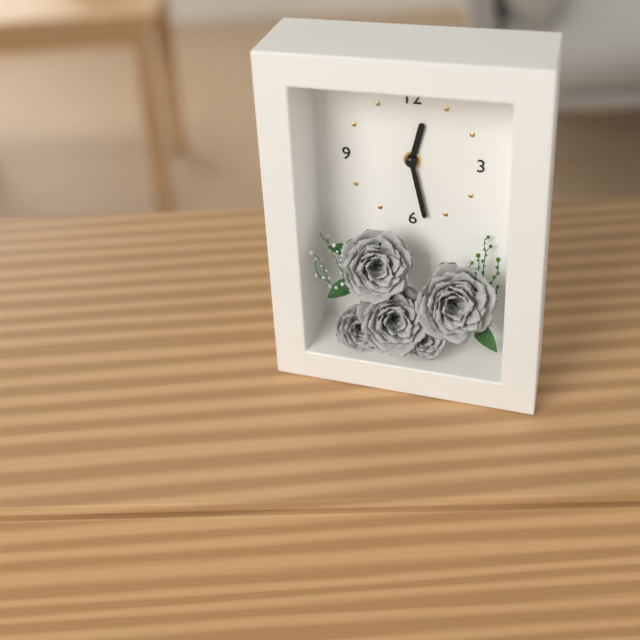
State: 12:28
